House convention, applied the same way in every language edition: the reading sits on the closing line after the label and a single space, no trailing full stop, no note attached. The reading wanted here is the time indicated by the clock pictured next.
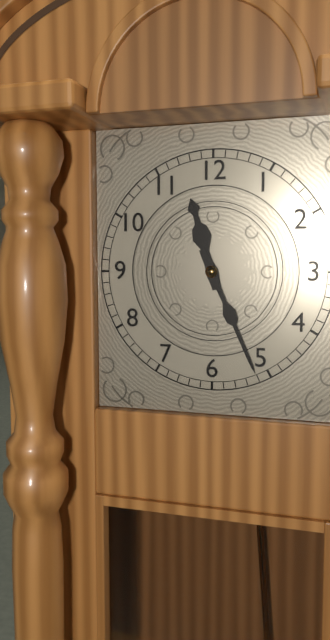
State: 11:26
